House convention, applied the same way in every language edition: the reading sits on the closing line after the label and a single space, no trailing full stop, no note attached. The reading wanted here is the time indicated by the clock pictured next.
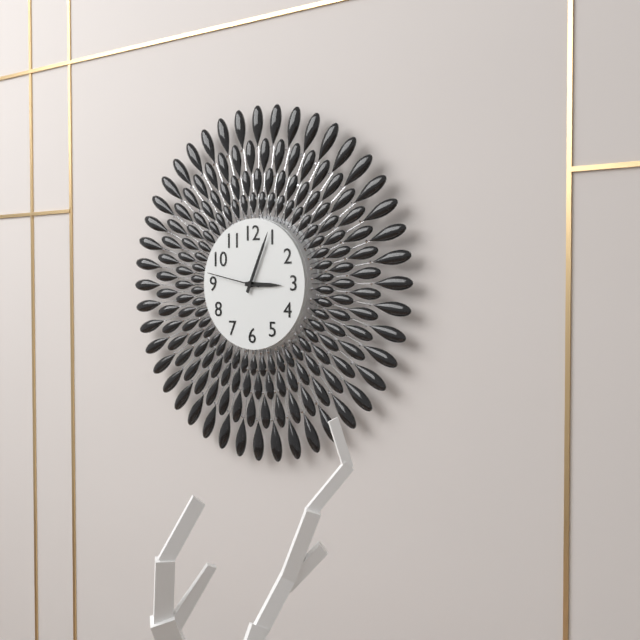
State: 3:04:47
